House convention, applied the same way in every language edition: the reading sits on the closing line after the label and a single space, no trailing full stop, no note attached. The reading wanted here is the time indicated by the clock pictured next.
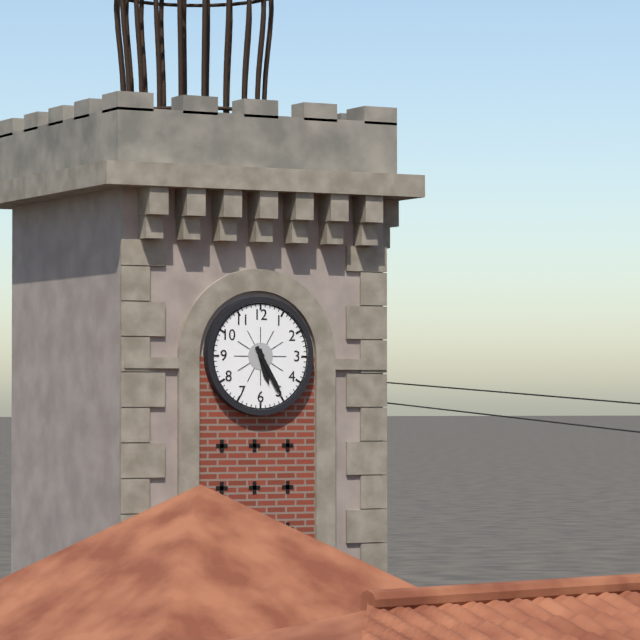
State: 5:25
